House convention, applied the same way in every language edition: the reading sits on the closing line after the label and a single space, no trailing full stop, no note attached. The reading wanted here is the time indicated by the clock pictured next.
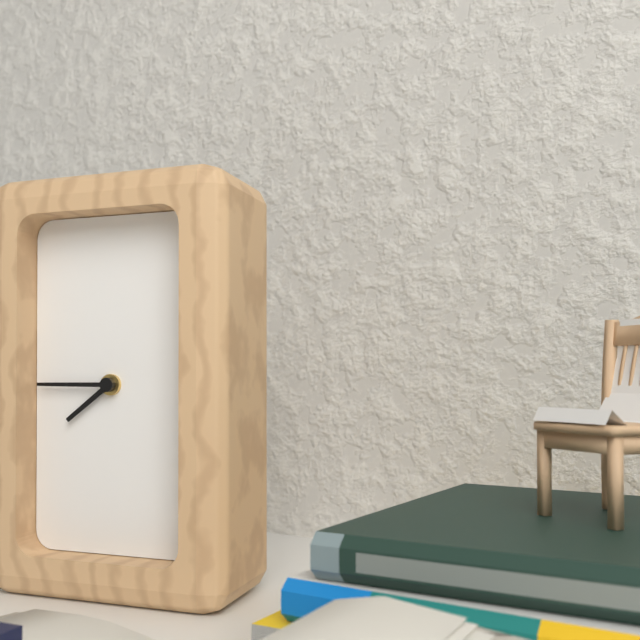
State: 7:45
